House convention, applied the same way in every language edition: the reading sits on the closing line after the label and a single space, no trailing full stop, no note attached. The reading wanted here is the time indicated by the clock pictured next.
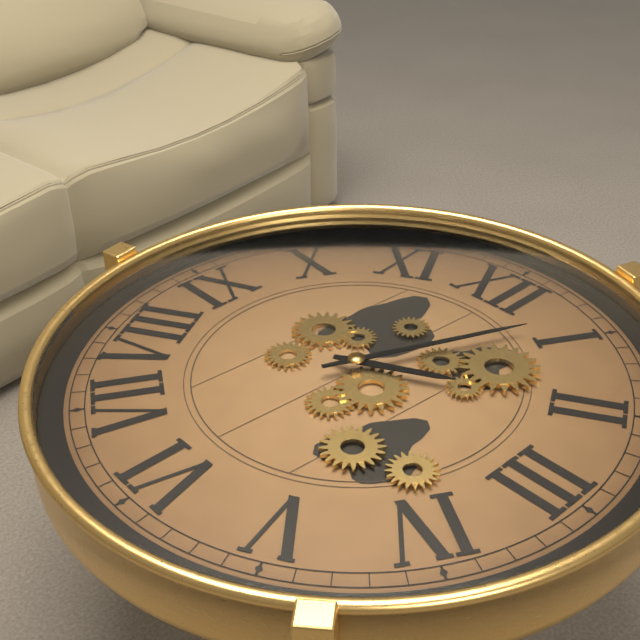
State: 2:04
